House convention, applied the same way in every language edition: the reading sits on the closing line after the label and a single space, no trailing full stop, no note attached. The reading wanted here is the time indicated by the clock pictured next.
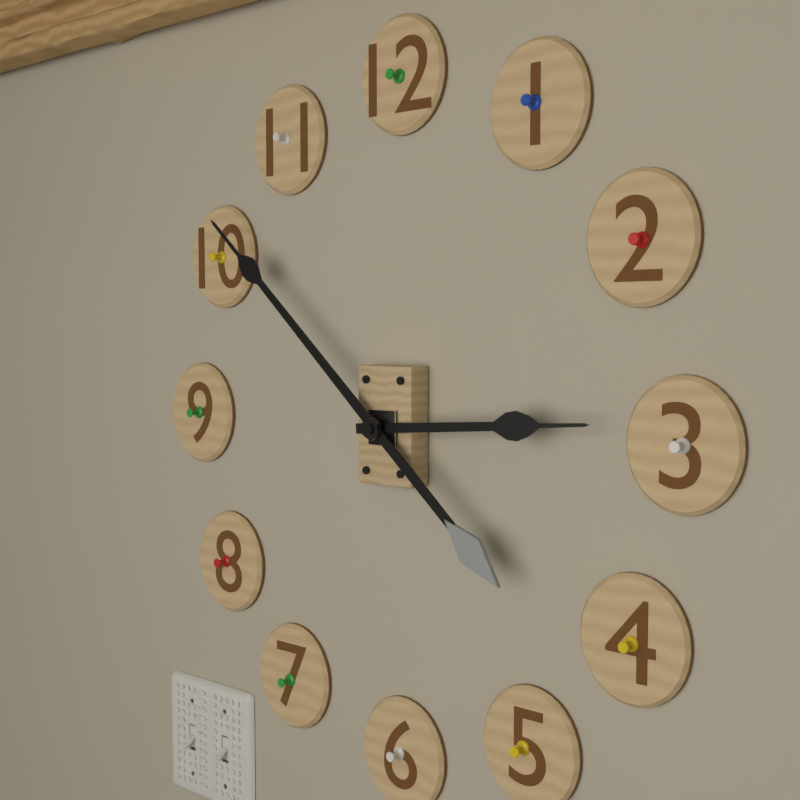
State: 2:52
